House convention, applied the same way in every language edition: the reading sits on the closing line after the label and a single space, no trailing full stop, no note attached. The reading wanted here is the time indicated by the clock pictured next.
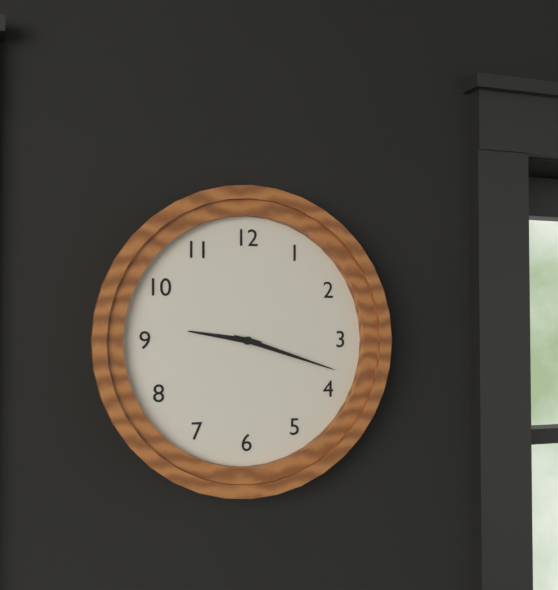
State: 9:18
